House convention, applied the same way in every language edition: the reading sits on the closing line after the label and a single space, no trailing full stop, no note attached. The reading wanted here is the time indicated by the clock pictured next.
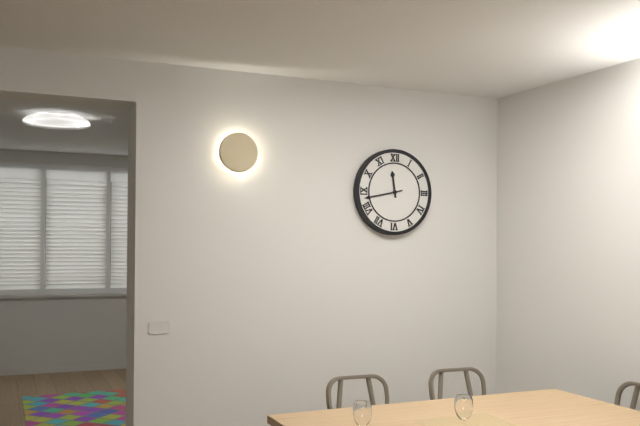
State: 11:43
